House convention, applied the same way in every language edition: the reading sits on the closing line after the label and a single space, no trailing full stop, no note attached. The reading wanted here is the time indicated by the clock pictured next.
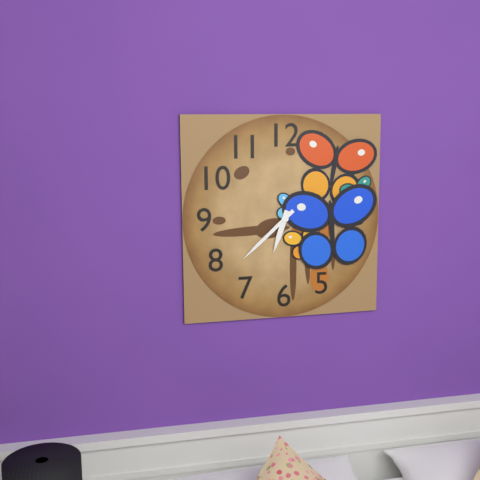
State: 6:38
